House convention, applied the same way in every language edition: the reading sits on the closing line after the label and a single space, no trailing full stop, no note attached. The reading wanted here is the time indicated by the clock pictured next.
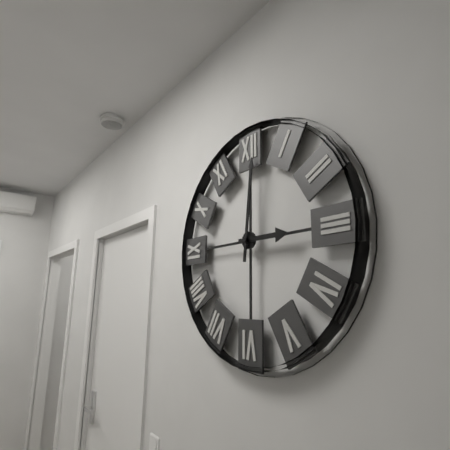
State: 3:01
